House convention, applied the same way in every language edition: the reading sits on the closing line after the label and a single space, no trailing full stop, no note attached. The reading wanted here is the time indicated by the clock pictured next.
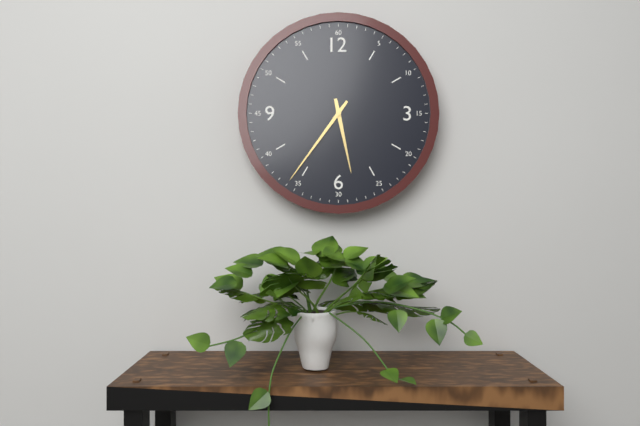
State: 5:36
